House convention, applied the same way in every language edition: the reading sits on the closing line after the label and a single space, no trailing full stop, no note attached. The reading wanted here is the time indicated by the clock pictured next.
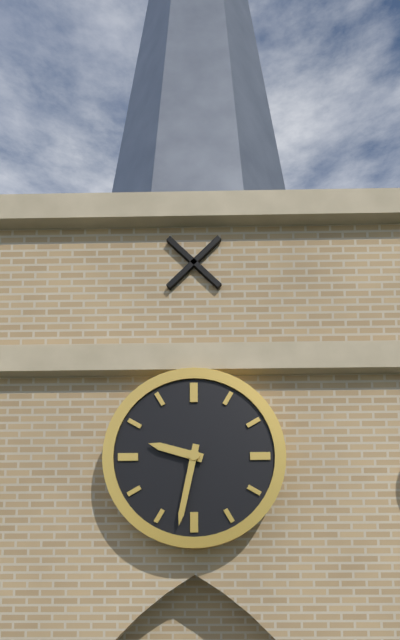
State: 9:32
